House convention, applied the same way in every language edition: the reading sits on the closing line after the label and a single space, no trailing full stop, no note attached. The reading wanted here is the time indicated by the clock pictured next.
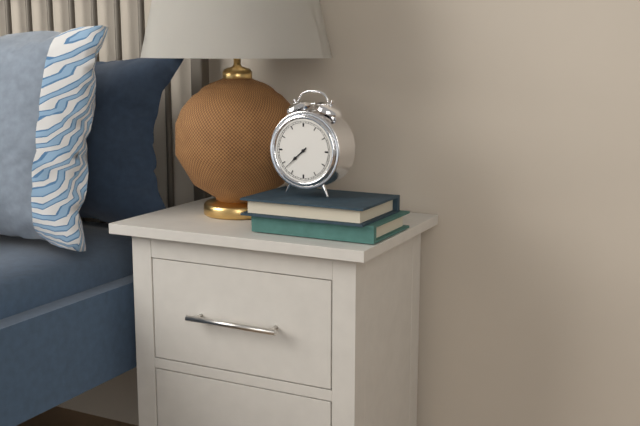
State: 7:38
